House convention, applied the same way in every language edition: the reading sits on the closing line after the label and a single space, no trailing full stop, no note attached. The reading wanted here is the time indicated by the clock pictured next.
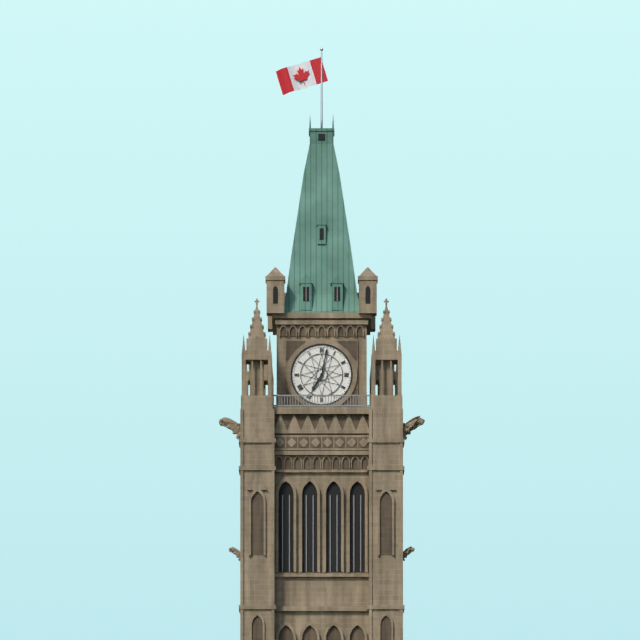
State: 7:02
